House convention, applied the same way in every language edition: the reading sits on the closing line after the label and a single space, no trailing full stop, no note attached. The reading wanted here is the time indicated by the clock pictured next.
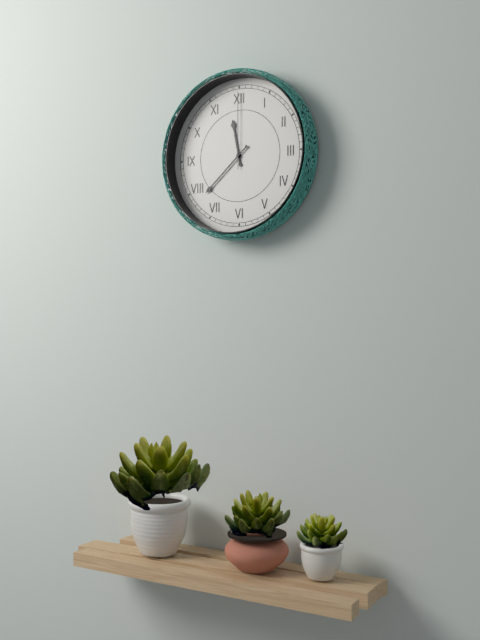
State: 11:38:00
